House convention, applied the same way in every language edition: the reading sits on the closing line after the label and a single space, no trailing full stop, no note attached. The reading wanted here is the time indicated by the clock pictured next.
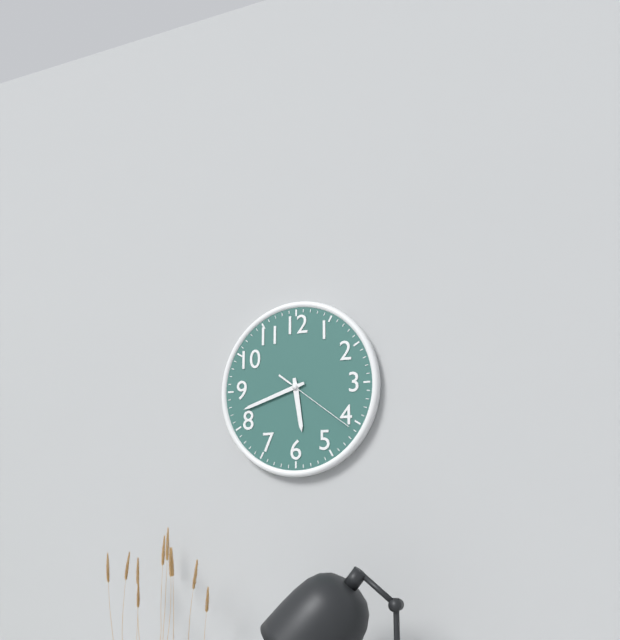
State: 5:42:21
